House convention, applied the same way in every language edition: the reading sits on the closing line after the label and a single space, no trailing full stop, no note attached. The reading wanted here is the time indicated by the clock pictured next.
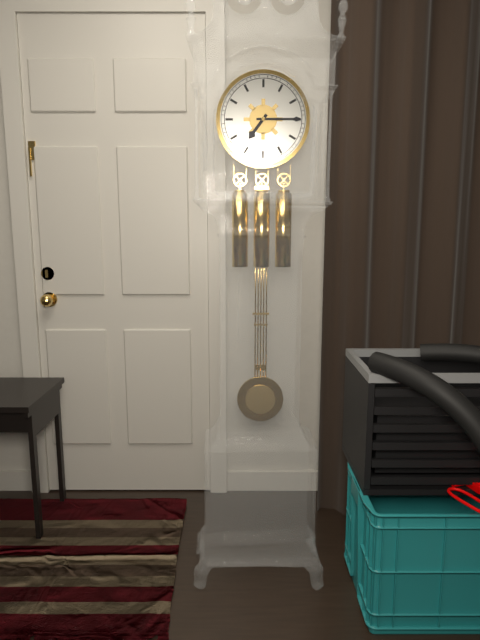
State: 7:15
